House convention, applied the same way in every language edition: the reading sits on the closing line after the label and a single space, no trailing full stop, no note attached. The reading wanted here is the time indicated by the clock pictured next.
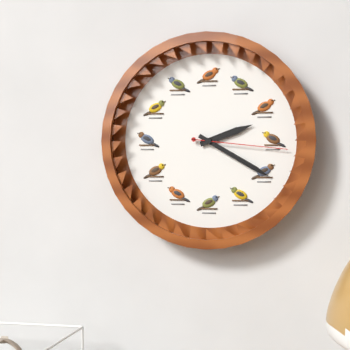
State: 2:20:16
